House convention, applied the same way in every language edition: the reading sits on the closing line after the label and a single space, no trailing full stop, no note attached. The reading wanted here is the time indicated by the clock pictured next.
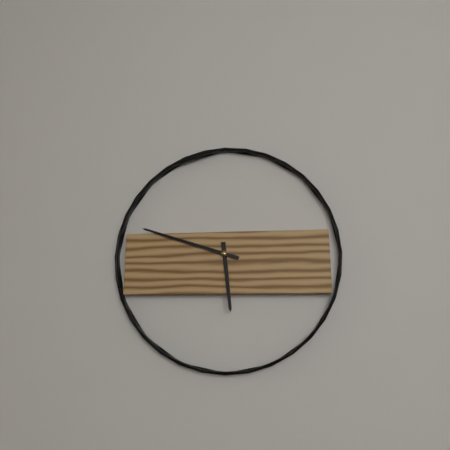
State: 5:48
